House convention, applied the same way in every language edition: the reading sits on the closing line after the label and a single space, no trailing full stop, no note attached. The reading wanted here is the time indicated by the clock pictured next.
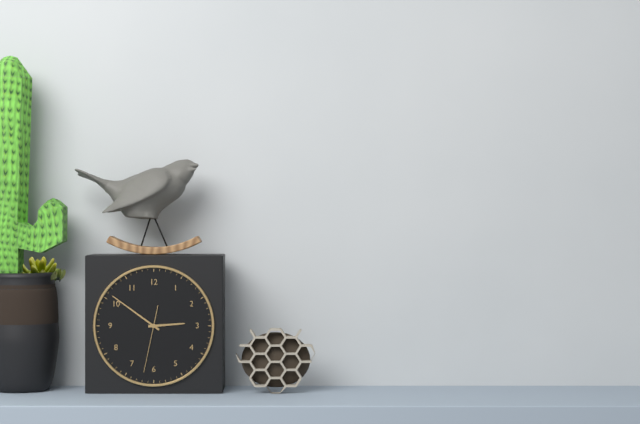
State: 2:51:32
